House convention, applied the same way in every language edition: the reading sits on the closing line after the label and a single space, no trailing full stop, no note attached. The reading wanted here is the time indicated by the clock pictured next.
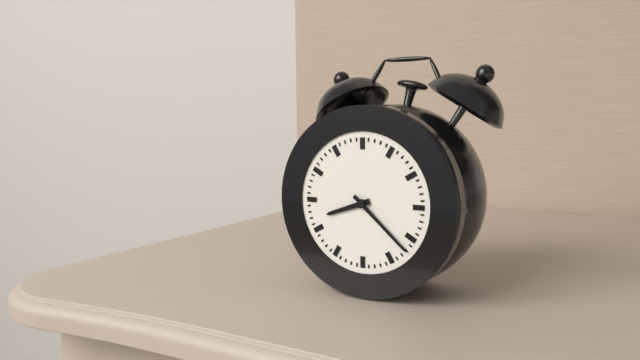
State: 8:22
